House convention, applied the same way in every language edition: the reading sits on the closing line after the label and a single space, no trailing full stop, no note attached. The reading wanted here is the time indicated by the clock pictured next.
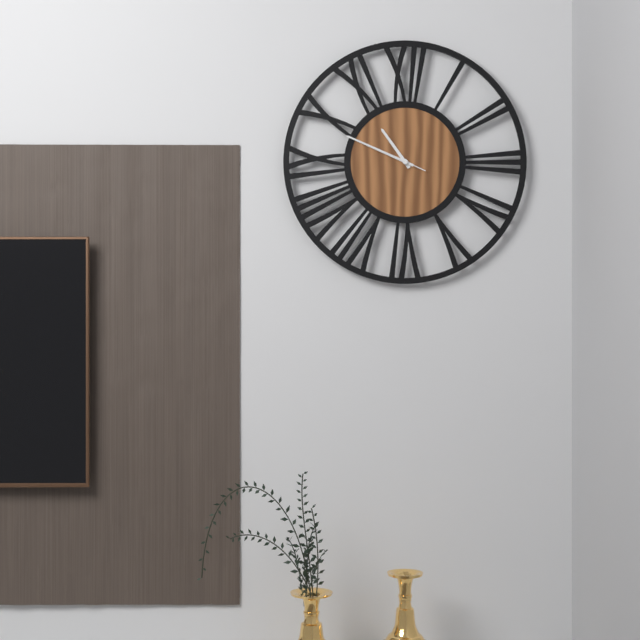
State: 10:49:49
